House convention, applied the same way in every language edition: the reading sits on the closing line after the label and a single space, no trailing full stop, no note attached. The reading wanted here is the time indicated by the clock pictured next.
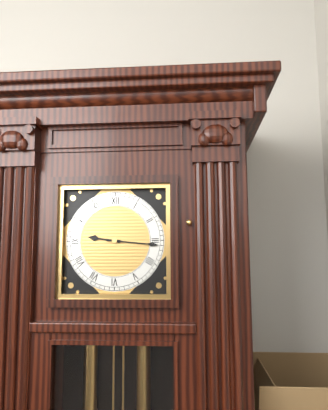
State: 9:16
